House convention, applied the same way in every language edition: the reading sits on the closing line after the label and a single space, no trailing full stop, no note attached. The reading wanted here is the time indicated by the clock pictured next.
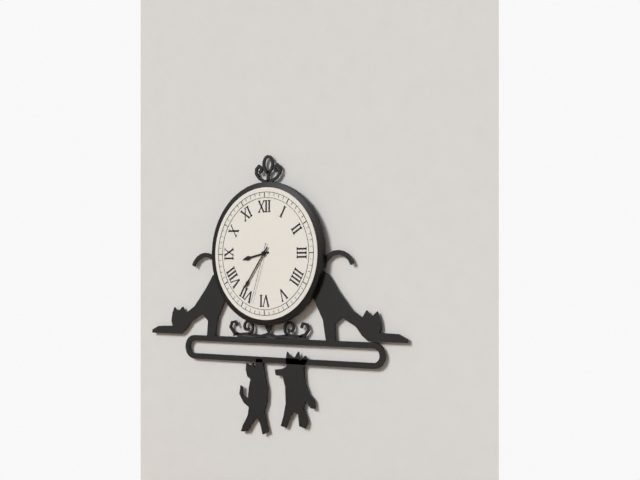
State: 8:36:33
